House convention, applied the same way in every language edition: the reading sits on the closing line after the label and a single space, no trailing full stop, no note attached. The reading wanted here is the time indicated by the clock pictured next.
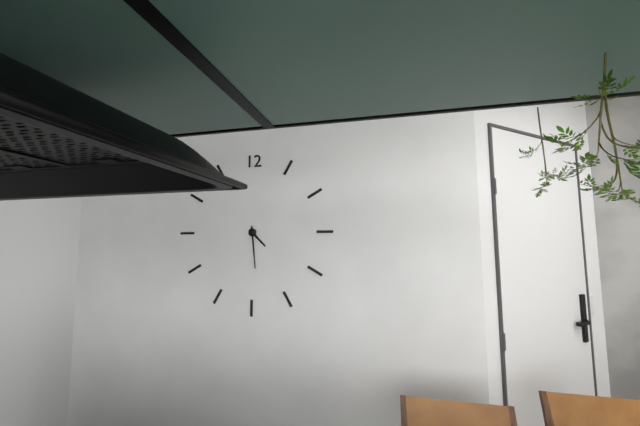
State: 4:29
